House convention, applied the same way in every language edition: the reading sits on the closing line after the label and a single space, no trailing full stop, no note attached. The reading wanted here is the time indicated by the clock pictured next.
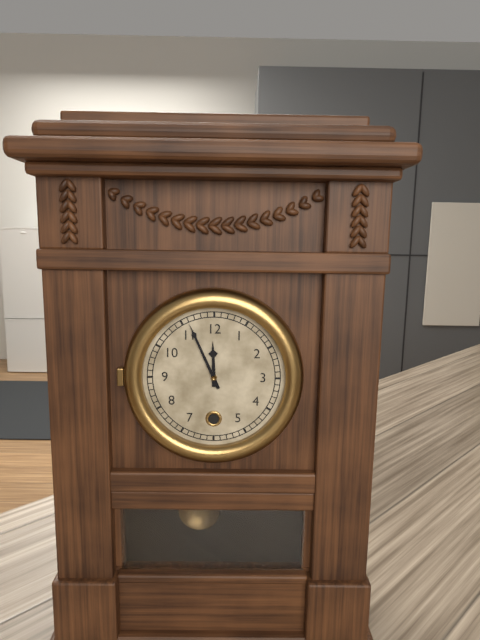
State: 11:56
